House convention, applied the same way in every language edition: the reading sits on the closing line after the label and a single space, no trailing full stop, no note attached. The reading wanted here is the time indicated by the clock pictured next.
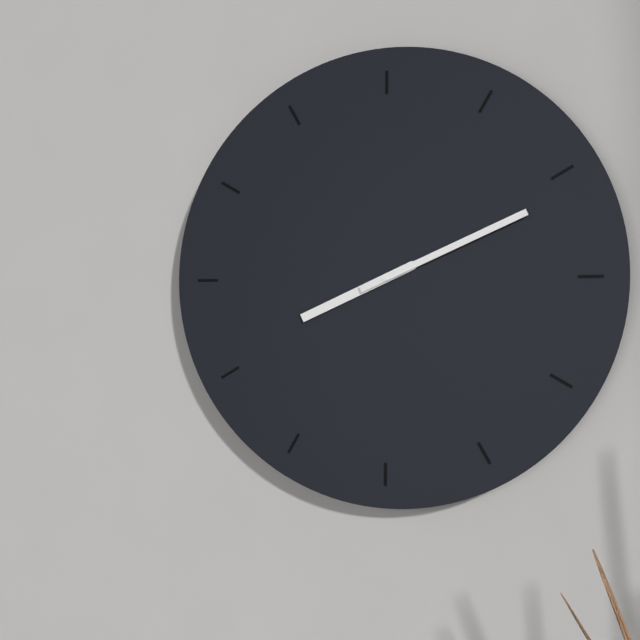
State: 8:11
